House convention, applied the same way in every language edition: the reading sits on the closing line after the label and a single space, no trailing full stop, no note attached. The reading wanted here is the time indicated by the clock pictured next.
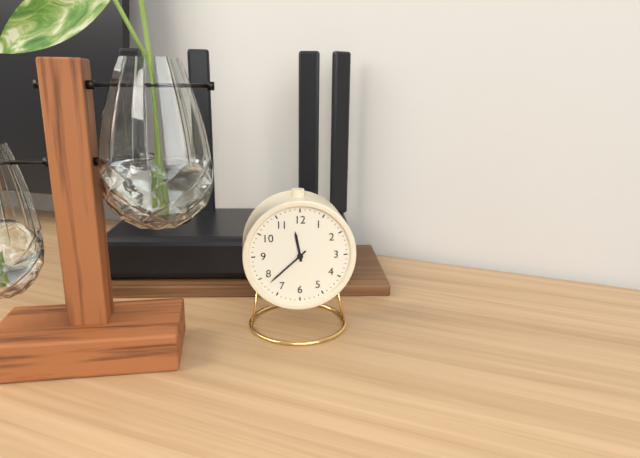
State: 11:38
